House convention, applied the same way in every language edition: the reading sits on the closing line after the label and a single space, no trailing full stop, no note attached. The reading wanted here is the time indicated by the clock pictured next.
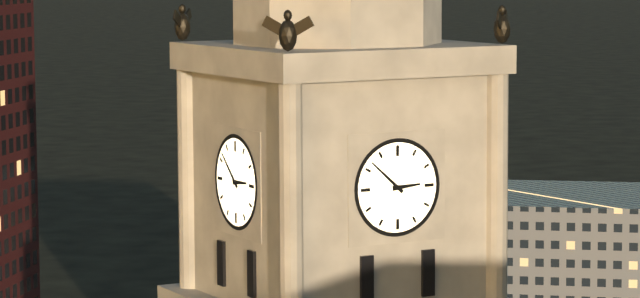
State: 2:52
